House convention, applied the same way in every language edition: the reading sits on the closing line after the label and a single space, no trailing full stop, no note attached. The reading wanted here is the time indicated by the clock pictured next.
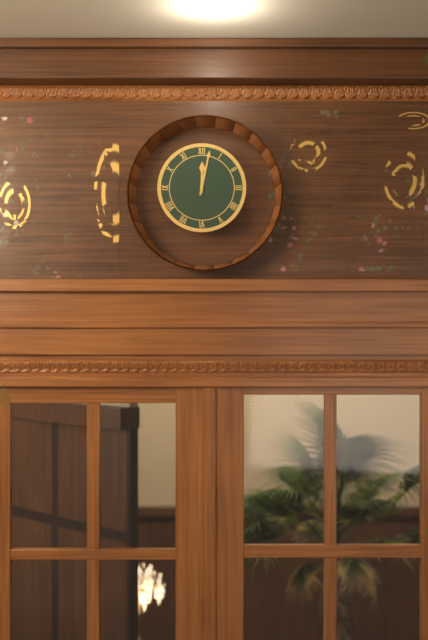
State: 12:02
